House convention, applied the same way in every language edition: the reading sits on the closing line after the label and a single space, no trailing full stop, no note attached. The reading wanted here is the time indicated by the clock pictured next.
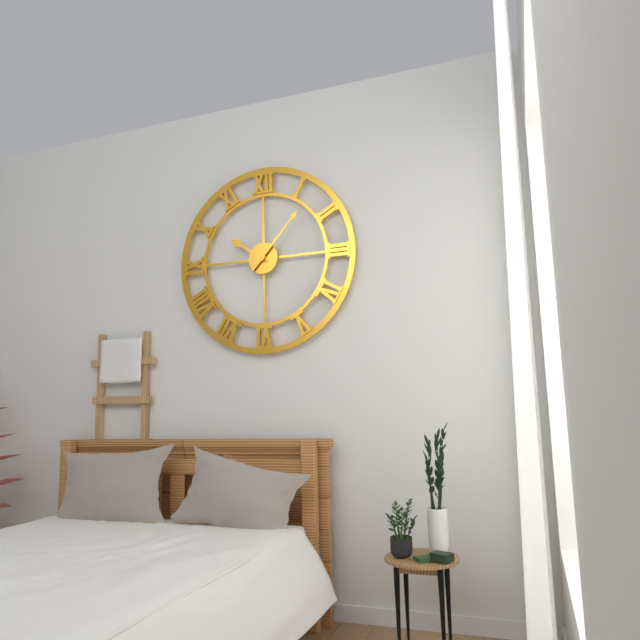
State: 10:07
